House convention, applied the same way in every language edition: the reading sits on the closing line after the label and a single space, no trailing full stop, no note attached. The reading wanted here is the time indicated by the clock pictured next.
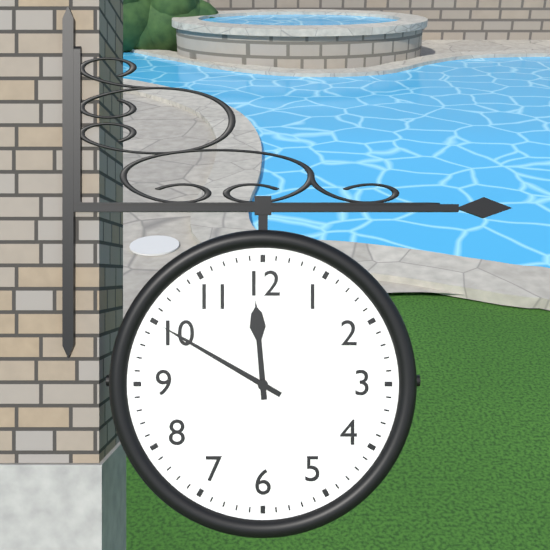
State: 11:50
